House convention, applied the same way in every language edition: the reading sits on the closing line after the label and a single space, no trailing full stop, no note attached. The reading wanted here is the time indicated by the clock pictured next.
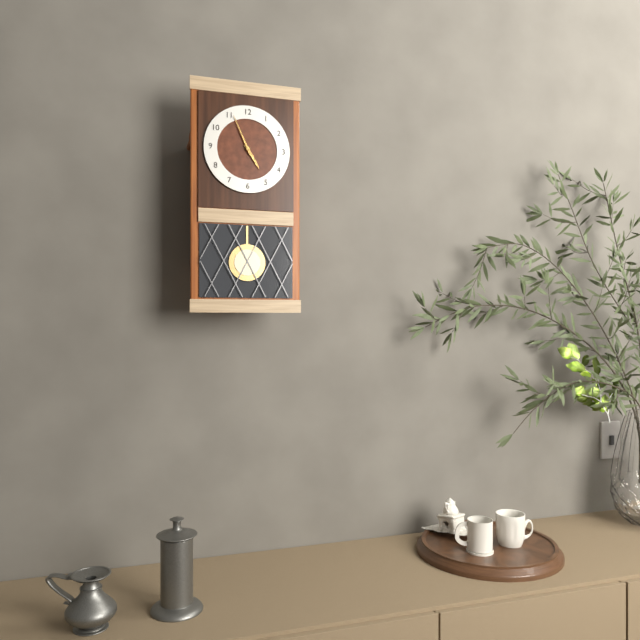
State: 4:56
